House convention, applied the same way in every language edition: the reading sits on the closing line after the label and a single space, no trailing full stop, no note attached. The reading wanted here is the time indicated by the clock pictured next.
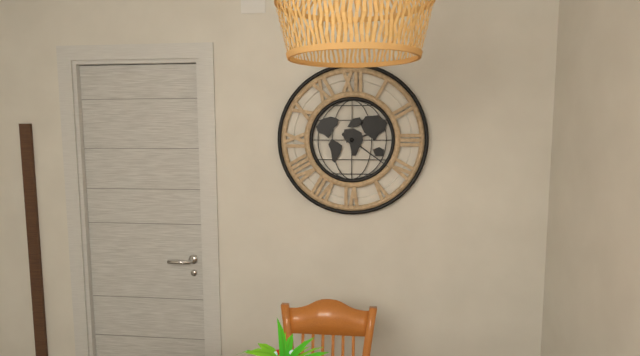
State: 2:21
